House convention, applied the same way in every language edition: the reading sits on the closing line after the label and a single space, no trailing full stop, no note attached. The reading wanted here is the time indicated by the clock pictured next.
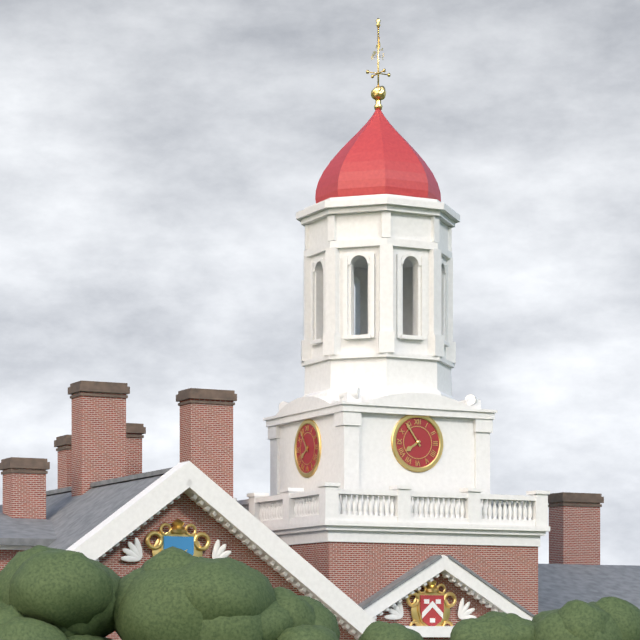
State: 7:54
